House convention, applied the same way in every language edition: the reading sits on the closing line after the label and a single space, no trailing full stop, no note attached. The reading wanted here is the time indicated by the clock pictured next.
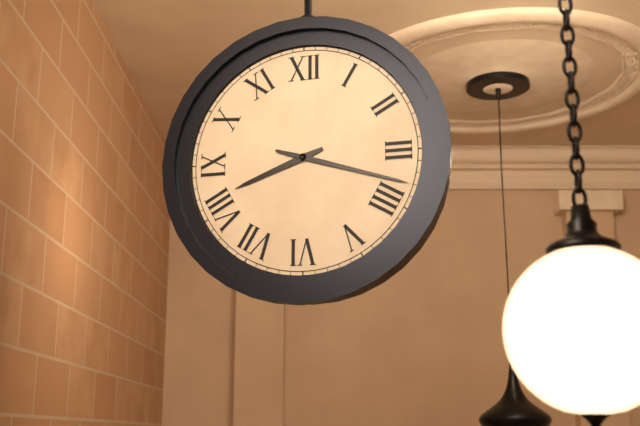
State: 8:18
